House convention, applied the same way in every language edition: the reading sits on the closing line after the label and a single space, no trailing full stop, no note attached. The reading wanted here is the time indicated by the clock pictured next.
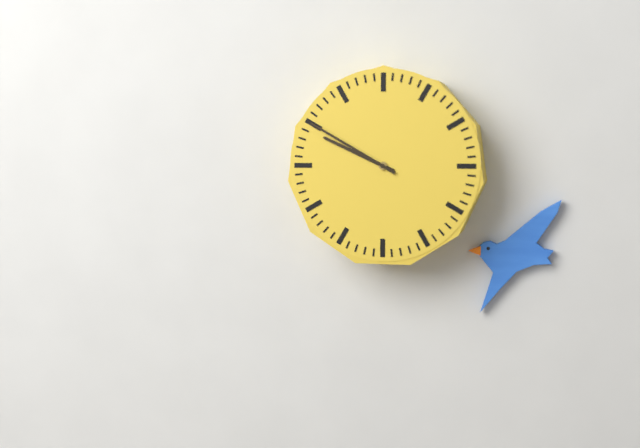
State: 9:50
